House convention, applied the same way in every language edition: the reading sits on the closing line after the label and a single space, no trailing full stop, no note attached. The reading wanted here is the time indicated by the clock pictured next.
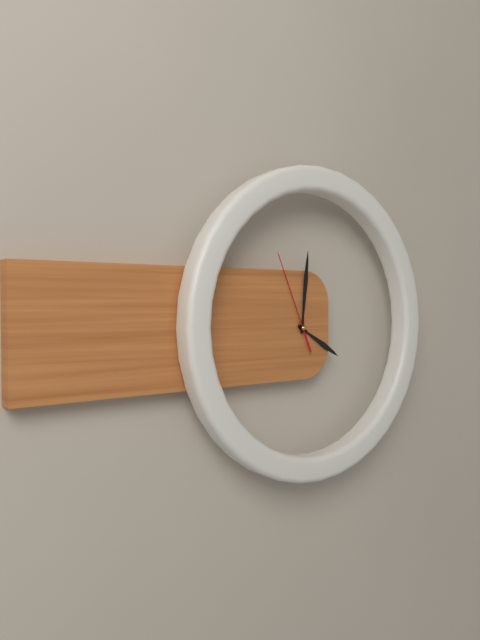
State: 4:01:56
